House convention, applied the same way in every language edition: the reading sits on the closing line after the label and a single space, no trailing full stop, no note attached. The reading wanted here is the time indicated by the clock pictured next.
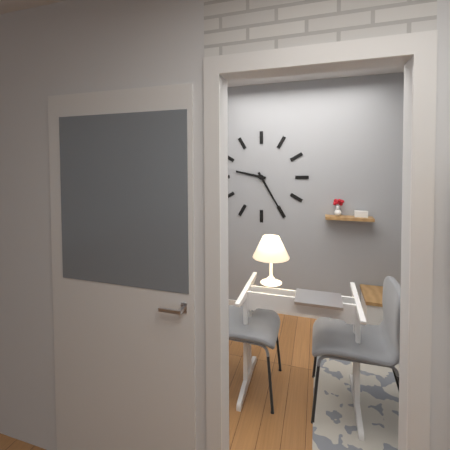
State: 9:25
